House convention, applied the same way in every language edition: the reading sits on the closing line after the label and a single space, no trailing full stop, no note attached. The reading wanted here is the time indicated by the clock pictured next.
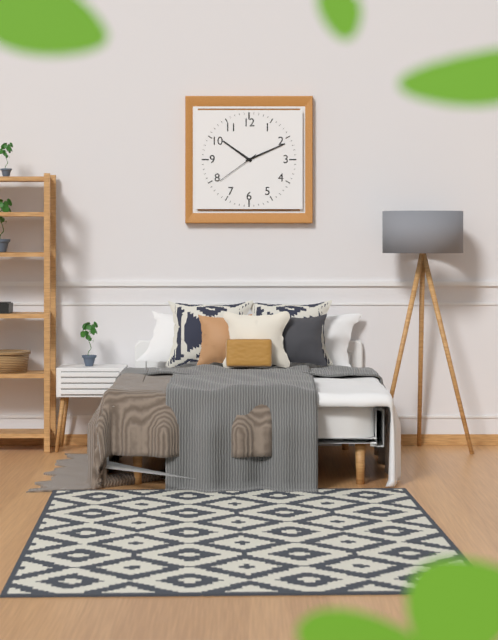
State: 10:11
